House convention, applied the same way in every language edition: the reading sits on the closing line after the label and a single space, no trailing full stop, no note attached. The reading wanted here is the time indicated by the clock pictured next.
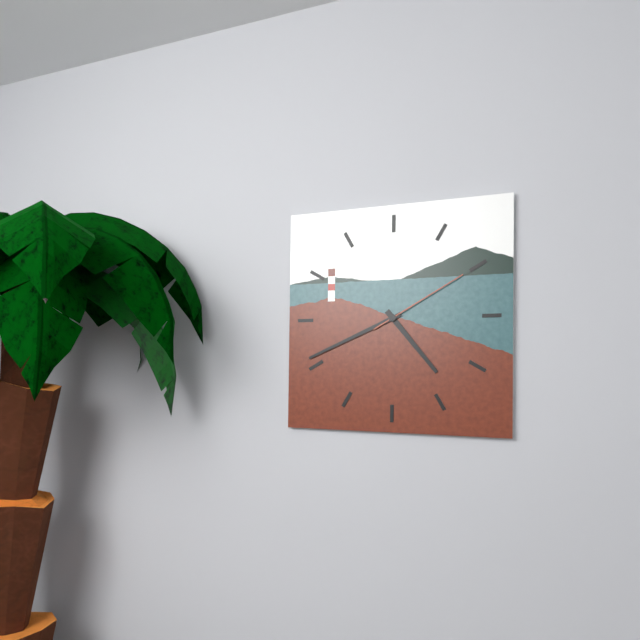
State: 4:41:10
